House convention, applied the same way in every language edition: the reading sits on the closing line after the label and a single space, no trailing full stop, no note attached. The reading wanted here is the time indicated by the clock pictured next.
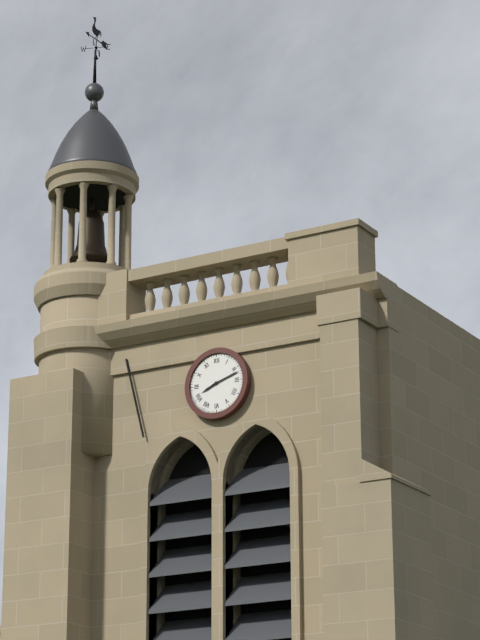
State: 8:12
